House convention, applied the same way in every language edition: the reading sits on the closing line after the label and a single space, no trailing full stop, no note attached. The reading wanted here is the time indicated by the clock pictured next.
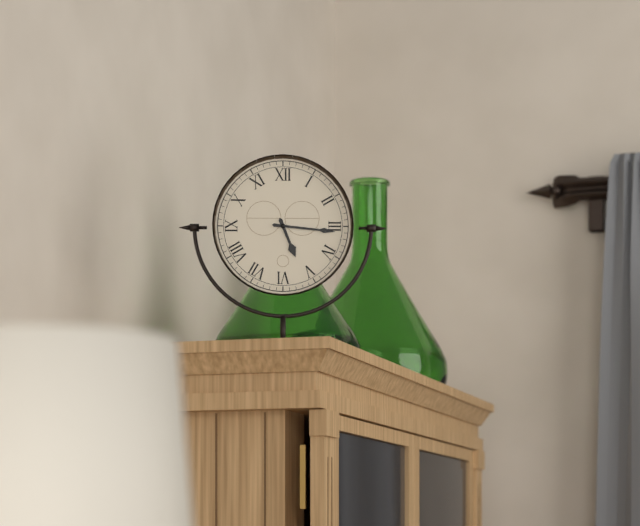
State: 5:16
